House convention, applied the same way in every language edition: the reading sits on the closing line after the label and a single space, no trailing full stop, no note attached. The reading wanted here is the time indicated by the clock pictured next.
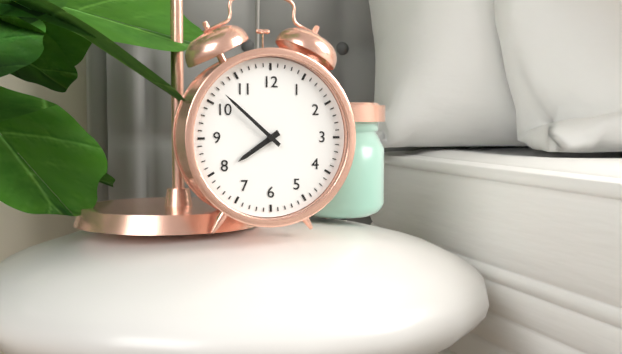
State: 7:52
